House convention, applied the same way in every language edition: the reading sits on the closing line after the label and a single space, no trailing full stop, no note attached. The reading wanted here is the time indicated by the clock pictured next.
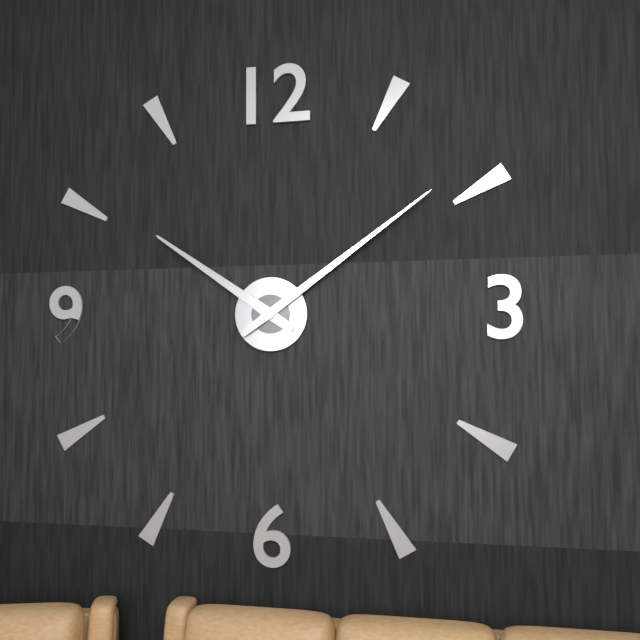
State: 10:09
